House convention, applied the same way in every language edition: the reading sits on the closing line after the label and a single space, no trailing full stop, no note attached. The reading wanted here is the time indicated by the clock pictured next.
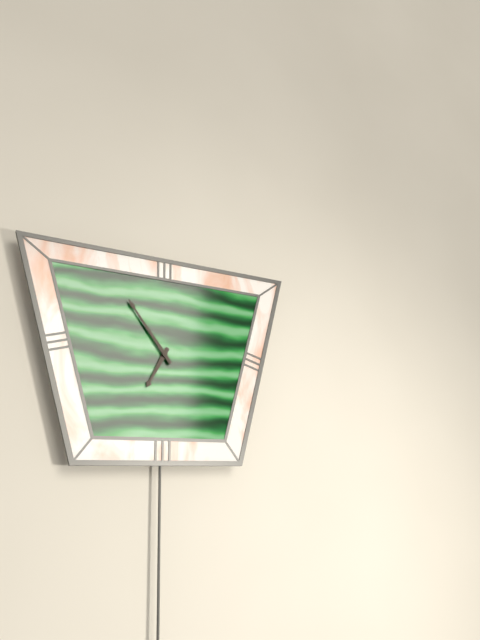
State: 6:54
